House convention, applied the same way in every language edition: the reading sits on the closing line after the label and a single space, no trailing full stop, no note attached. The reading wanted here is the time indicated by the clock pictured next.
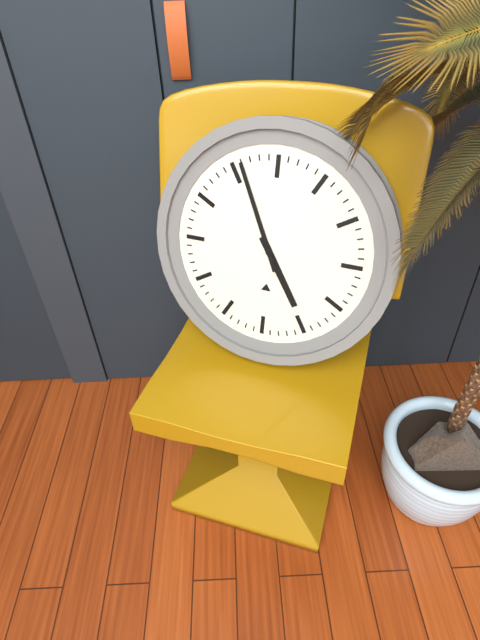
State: 4:56
